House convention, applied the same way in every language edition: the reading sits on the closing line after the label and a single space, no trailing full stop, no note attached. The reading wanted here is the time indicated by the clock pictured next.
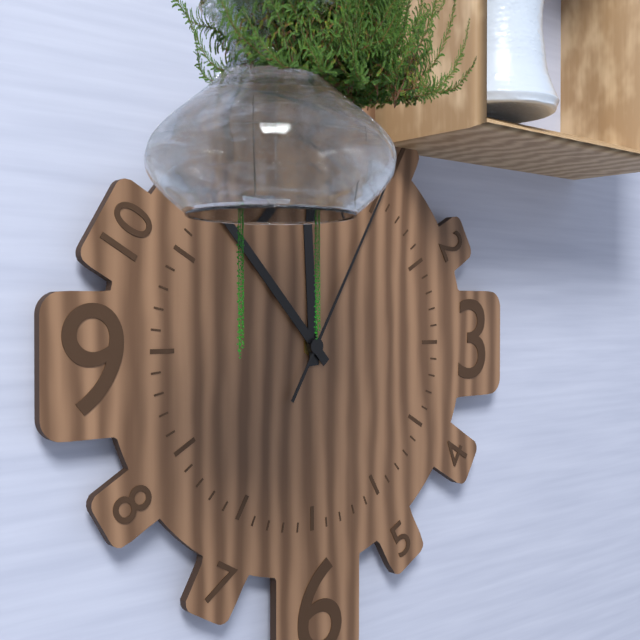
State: 11:53:05
